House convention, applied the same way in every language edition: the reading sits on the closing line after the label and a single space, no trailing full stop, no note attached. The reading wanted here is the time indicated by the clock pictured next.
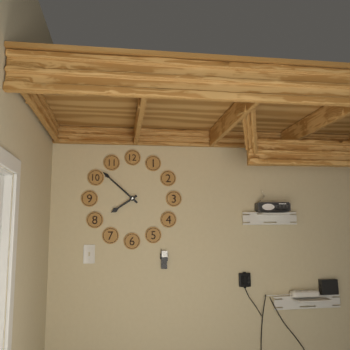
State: 7:52
